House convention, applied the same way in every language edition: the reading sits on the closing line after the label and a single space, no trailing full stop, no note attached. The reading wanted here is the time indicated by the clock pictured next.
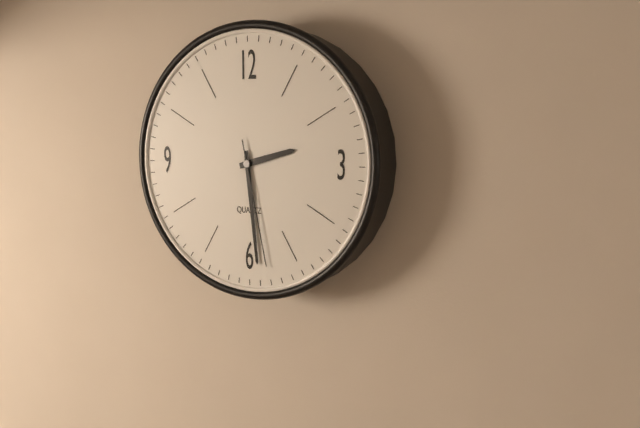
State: 2:29:28
